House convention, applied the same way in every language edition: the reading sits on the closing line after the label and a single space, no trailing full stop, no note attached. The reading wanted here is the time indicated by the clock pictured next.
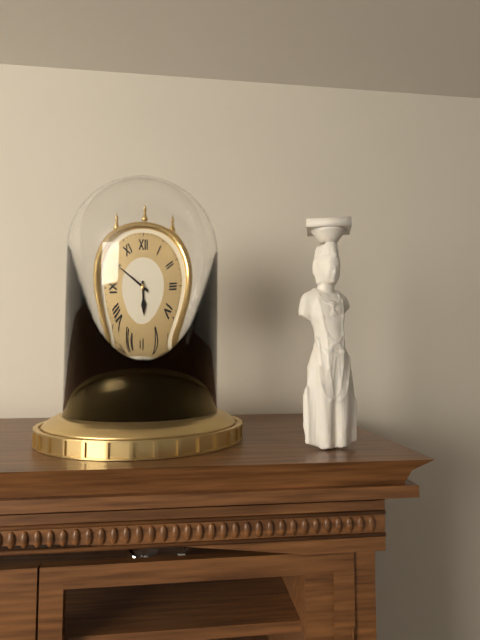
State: 5:50
